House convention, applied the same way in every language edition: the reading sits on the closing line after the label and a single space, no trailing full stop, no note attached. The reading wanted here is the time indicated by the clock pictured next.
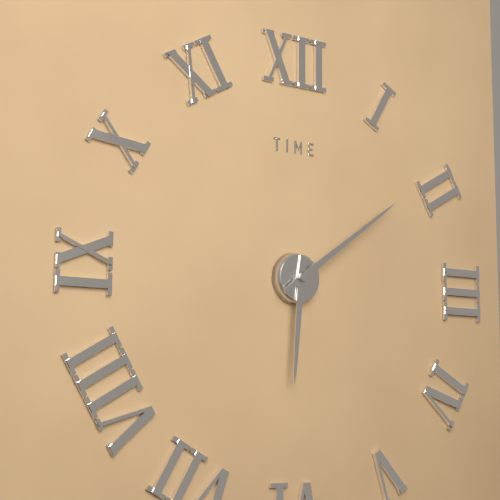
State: 6:09
